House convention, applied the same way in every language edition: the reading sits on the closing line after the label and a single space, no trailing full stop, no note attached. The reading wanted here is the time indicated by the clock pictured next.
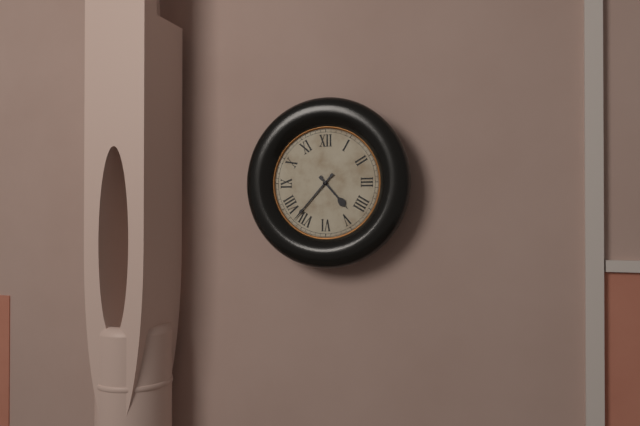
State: 4:37
